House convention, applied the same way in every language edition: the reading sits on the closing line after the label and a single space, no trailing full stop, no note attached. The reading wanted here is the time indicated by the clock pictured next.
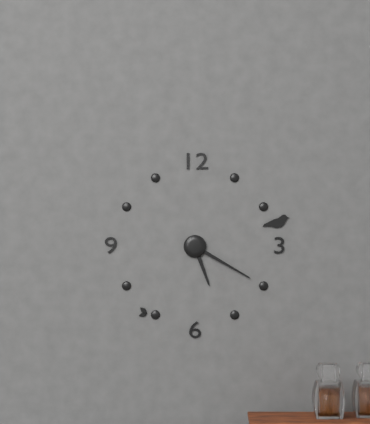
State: 5:20
